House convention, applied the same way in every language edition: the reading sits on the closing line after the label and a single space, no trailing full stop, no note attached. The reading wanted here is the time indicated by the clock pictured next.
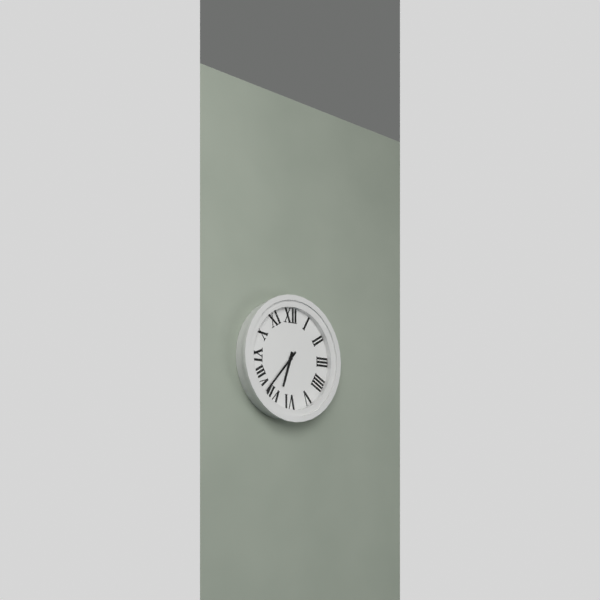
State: 6:37
